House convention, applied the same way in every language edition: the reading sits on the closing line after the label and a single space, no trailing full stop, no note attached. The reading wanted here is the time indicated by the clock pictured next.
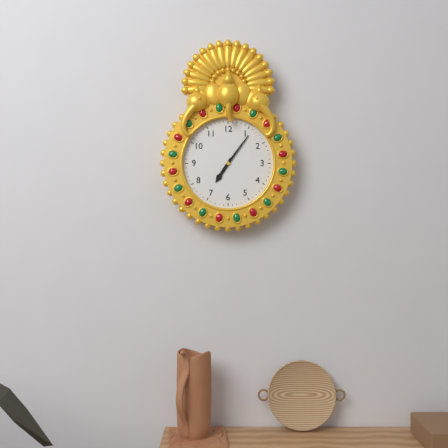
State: 7:06
